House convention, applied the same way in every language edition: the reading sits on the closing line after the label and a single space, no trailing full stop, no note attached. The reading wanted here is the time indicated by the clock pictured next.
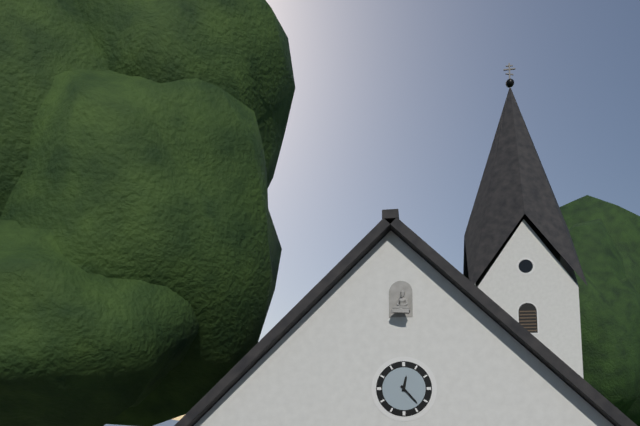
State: 12:23
